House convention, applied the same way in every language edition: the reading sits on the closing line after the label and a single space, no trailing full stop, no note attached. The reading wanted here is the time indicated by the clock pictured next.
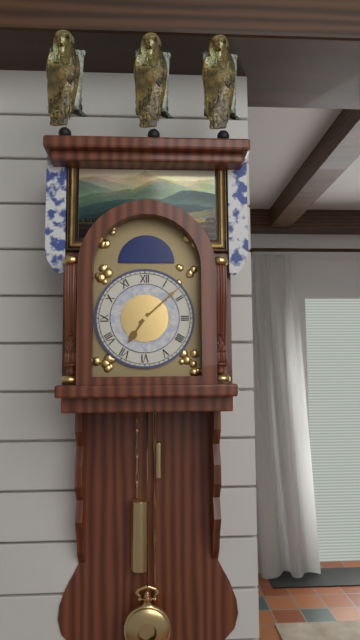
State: 7:08
